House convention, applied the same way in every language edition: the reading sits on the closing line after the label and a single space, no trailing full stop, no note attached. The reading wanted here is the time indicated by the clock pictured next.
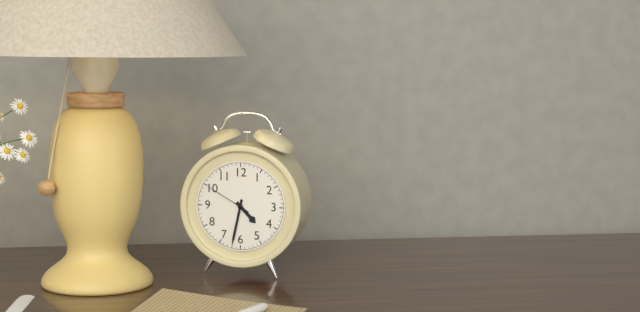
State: 4:32
